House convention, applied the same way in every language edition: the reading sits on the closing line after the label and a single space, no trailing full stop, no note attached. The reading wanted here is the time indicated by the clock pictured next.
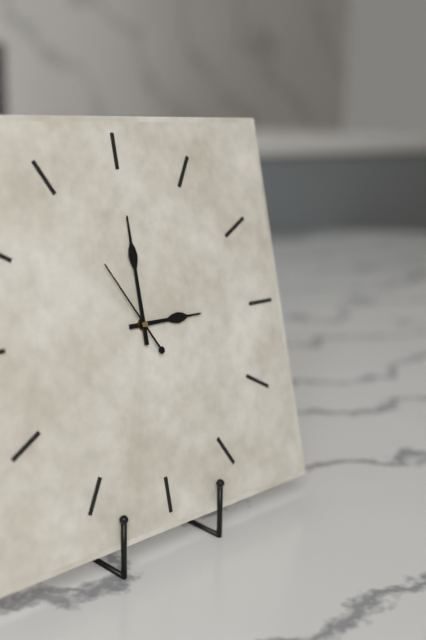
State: 3:00:55
